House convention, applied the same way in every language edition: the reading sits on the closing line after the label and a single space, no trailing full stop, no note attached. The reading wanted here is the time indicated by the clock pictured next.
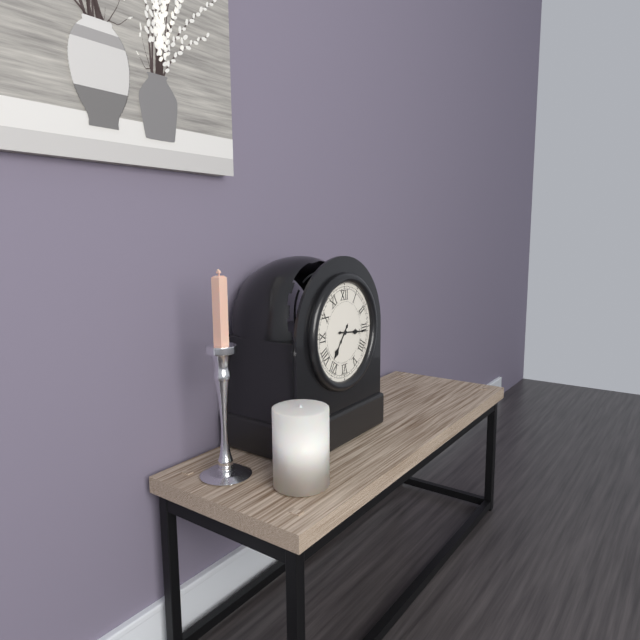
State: 7:16
